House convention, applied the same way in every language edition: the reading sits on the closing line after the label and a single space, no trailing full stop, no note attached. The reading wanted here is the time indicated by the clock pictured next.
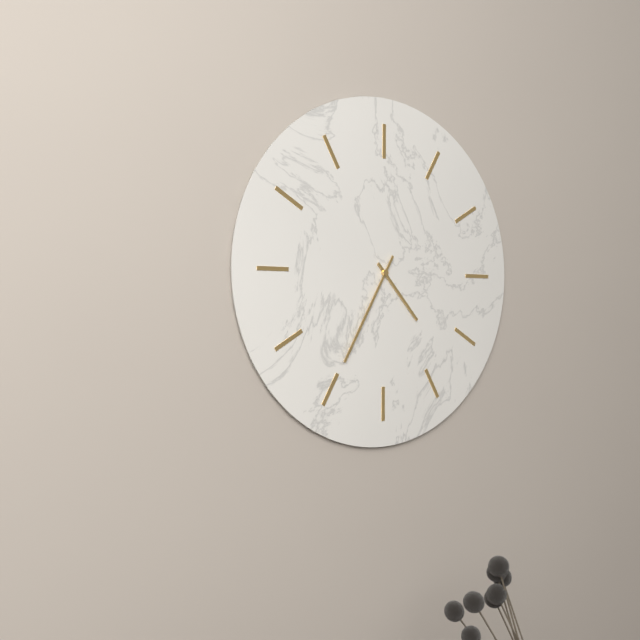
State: 4:35
